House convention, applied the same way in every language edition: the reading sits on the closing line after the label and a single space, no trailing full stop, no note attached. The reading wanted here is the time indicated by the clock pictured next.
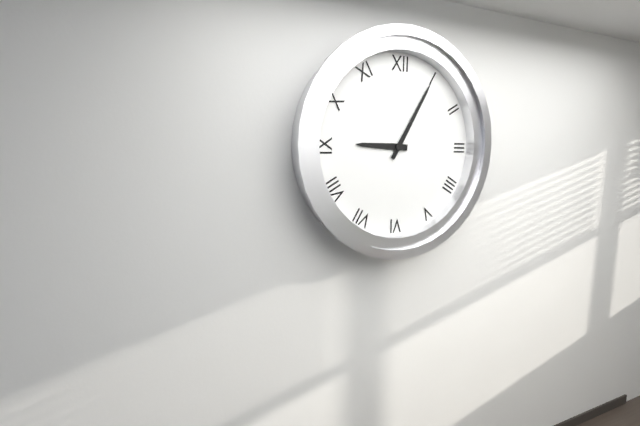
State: 9:05
